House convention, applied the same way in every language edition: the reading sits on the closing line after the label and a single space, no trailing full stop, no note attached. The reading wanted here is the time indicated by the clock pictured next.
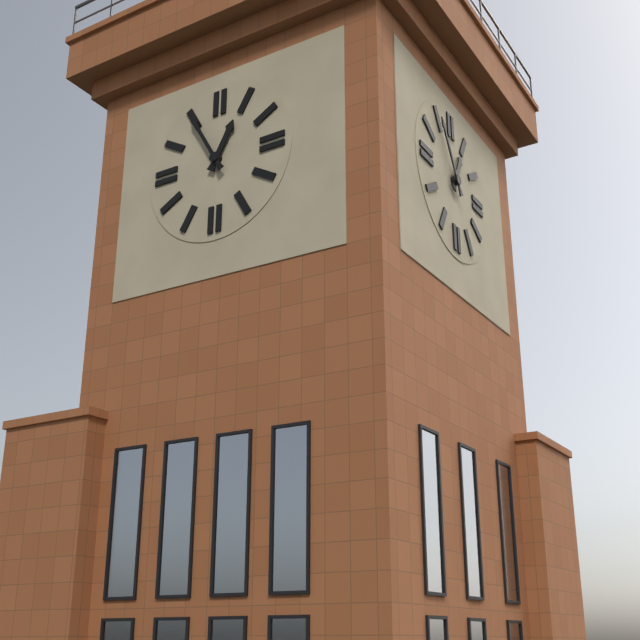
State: 12:55
